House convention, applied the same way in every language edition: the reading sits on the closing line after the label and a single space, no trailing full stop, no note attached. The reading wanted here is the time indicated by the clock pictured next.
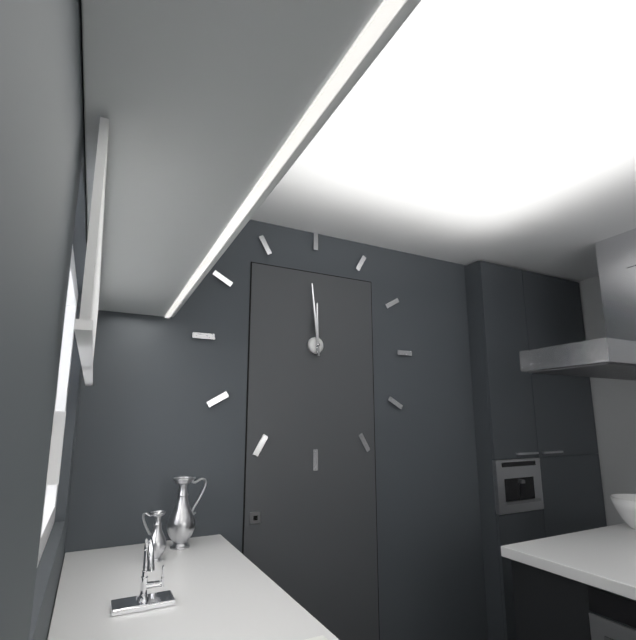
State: 11:59
